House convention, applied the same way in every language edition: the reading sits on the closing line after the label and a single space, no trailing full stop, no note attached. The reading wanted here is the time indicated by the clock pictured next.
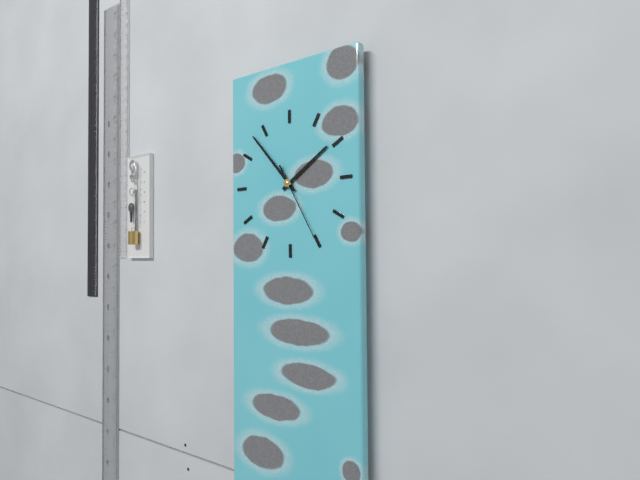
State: 1:53:25
